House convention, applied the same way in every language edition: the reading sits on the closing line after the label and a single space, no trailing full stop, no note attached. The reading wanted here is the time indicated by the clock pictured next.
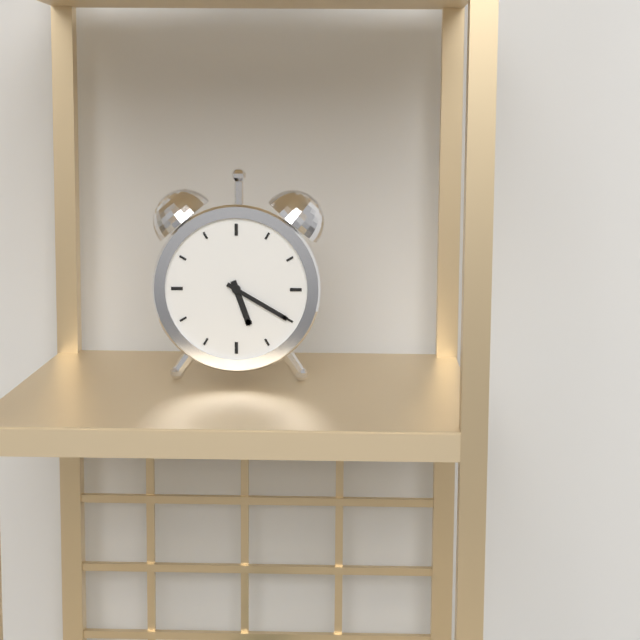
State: 5:20
